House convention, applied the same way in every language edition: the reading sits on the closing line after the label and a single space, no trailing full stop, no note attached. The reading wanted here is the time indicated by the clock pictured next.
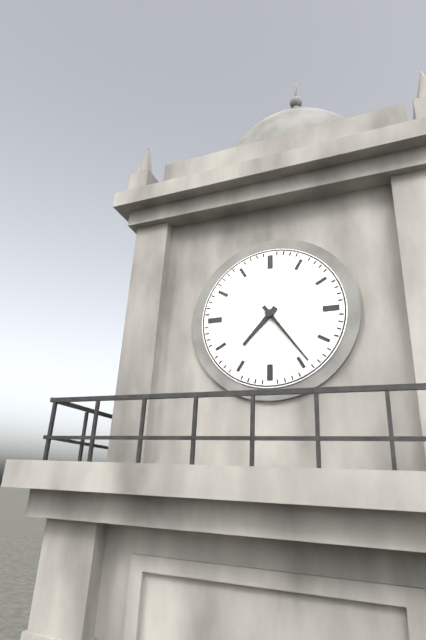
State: 7:24
